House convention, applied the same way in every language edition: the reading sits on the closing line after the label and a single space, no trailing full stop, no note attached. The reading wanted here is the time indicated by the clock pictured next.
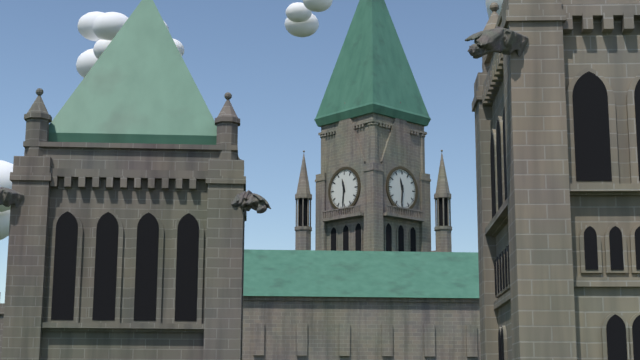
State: 11:31
